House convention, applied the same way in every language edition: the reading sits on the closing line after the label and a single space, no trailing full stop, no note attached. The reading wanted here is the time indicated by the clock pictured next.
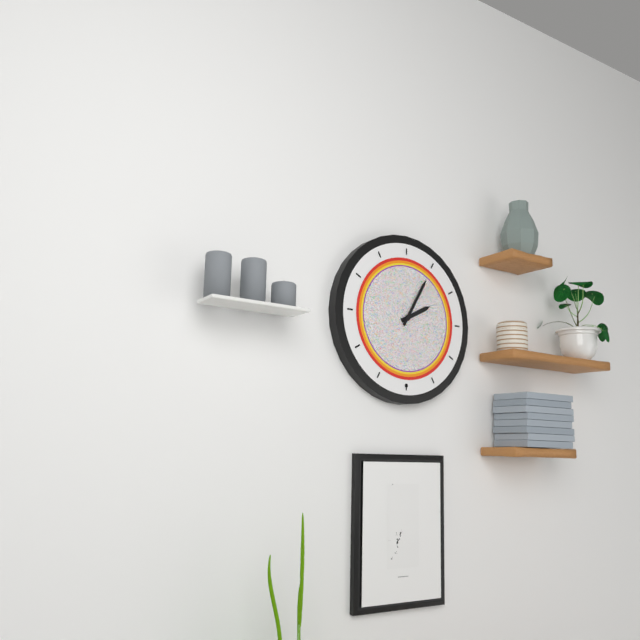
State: 2:05
